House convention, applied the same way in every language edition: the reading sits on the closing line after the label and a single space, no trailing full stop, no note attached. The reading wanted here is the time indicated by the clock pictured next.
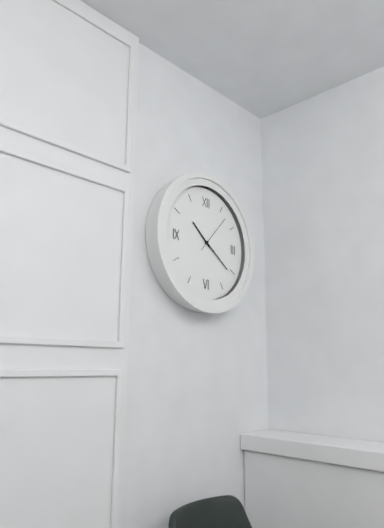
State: 10:21
